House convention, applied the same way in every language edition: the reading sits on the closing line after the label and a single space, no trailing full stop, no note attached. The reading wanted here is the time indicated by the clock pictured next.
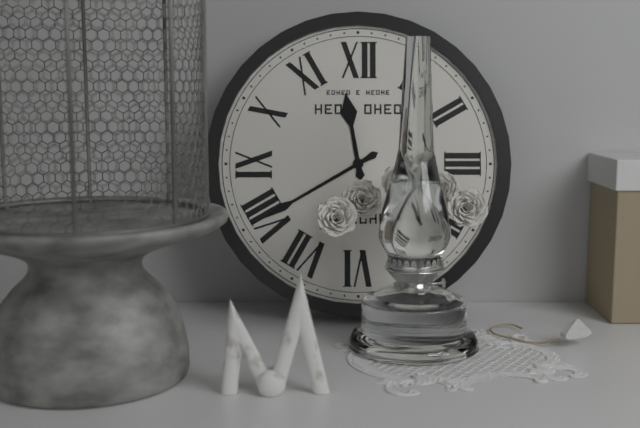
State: 11:40
